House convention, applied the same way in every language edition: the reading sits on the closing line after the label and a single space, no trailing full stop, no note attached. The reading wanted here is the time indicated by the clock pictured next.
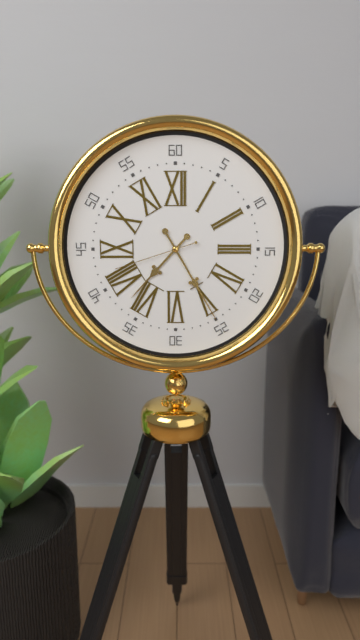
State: 7:25:42
